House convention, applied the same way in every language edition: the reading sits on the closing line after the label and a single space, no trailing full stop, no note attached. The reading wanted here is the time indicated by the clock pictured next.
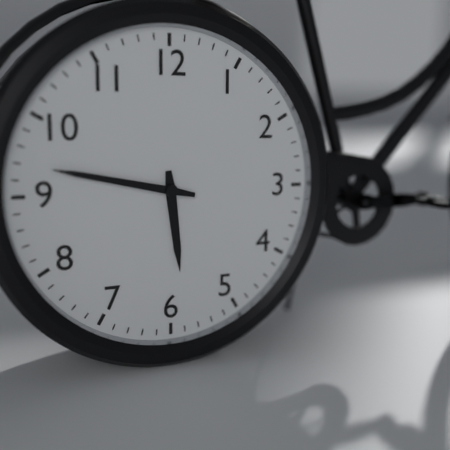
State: 5:47
